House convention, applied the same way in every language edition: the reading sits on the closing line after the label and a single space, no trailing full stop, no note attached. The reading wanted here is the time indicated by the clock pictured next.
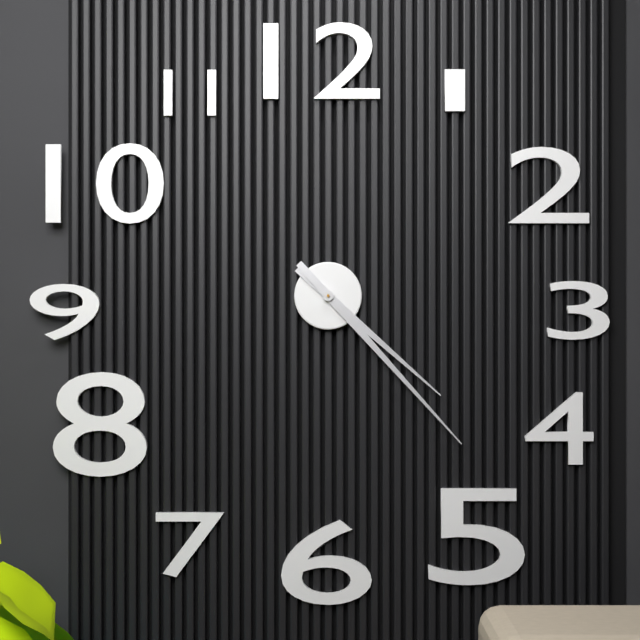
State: 4:23
